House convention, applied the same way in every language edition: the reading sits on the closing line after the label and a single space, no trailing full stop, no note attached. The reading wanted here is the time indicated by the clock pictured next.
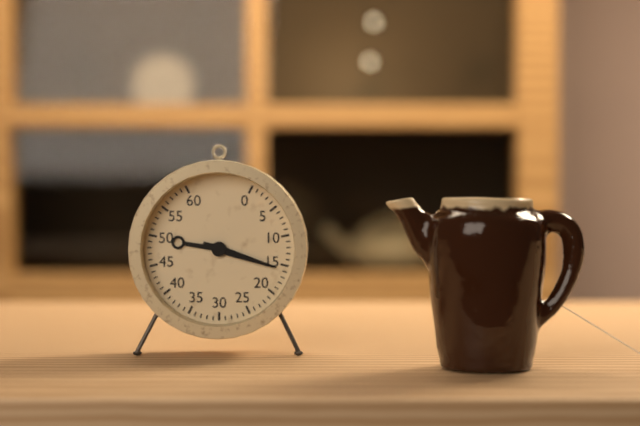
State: 9:18
